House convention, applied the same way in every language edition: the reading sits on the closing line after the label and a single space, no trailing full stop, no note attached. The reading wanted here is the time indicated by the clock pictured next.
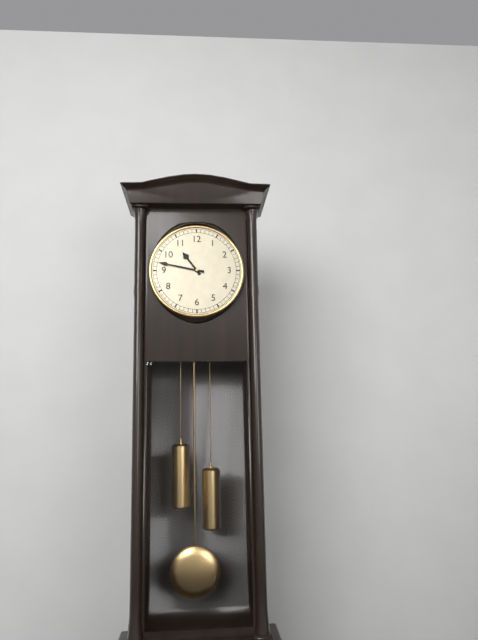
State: 10:47
